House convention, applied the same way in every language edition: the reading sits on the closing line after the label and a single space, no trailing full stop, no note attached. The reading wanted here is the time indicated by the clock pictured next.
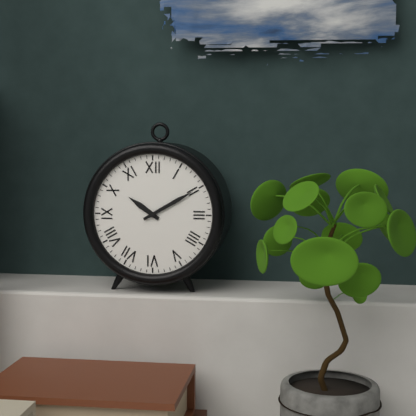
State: 10:10
